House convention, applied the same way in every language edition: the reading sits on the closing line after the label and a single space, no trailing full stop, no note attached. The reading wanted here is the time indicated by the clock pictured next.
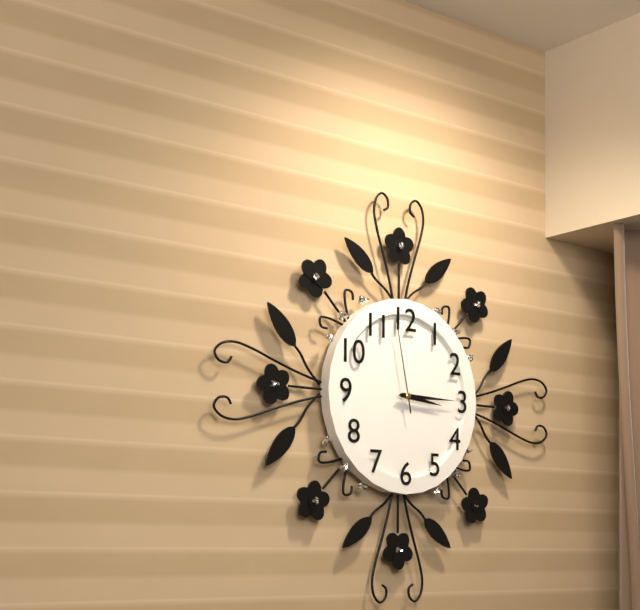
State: 3:15:58
